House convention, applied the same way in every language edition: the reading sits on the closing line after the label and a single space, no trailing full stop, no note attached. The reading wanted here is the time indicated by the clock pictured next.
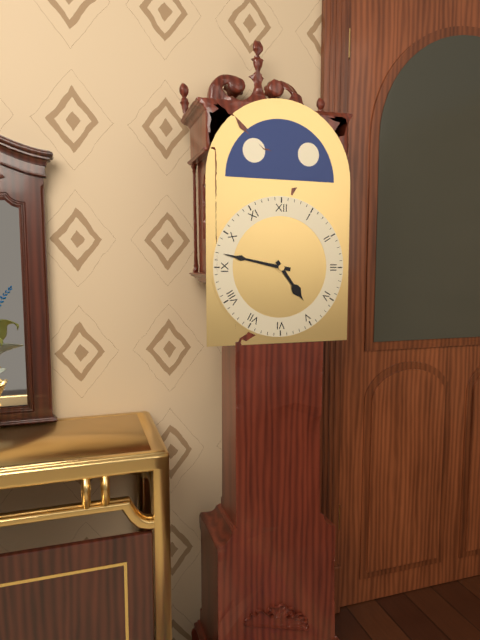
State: 4:47
